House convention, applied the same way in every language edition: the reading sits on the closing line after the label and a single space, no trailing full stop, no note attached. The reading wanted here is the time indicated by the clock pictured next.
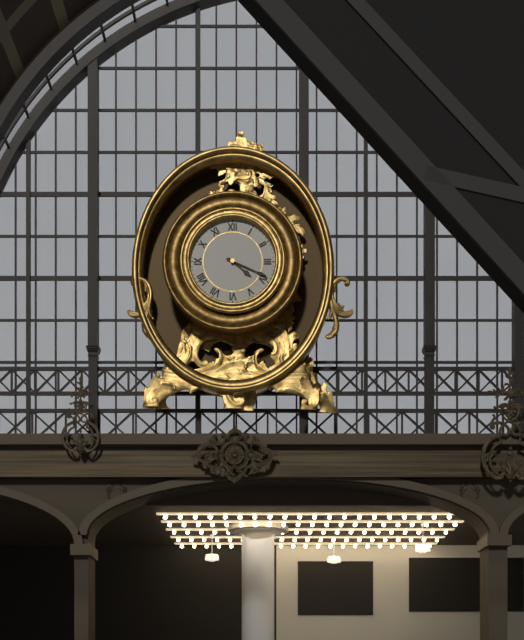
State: 4:19
